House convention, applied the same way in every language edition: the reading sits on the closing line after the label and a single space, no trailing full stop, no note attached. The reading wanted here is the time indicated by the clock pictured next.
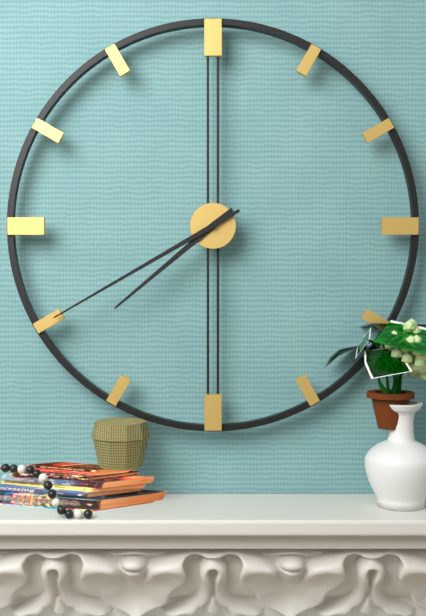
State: 7:40
